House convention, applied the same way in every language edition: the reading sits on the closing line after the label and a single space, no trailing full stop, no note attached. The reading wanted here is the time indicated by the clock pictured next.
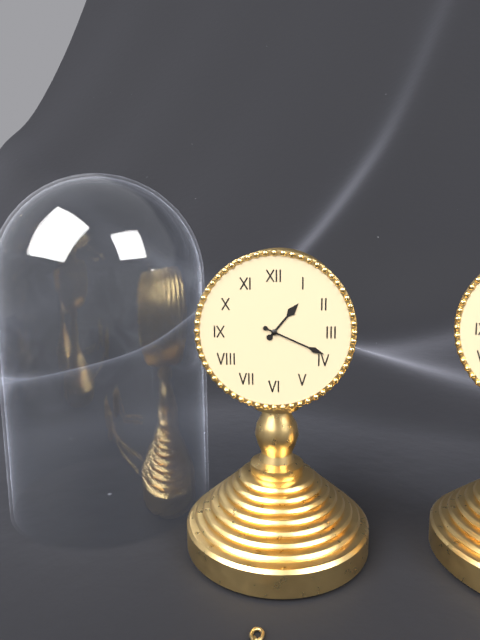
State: 1:19
